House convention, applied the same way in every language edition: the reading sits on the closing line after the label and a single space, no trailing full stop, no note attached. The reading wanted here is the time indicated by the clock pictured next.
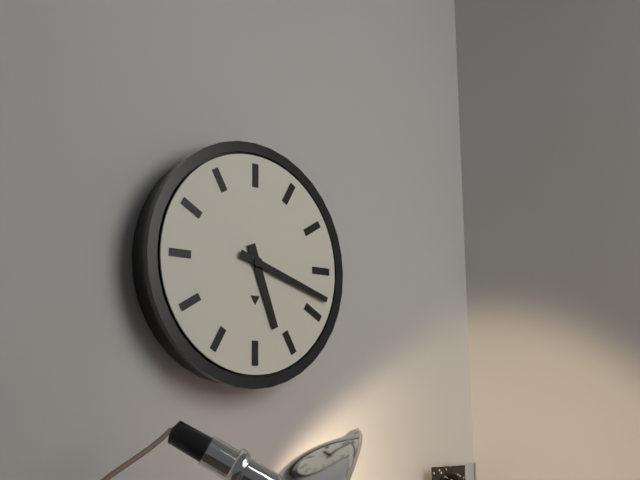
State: 5:18
